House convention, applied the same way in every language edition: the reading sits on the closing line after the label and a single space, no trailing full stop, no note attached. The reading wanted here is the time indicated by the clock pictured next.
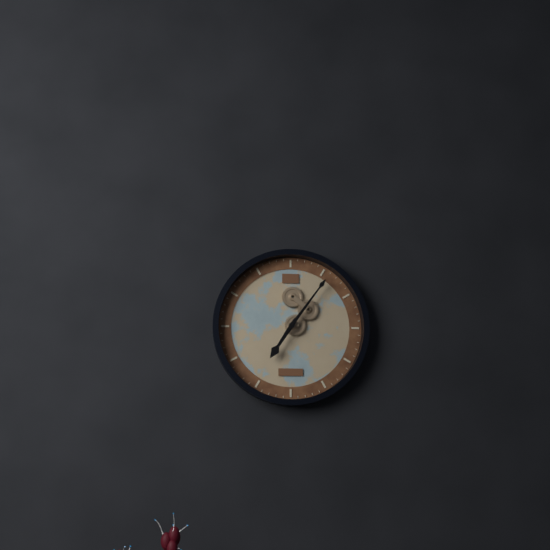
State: 7:06
